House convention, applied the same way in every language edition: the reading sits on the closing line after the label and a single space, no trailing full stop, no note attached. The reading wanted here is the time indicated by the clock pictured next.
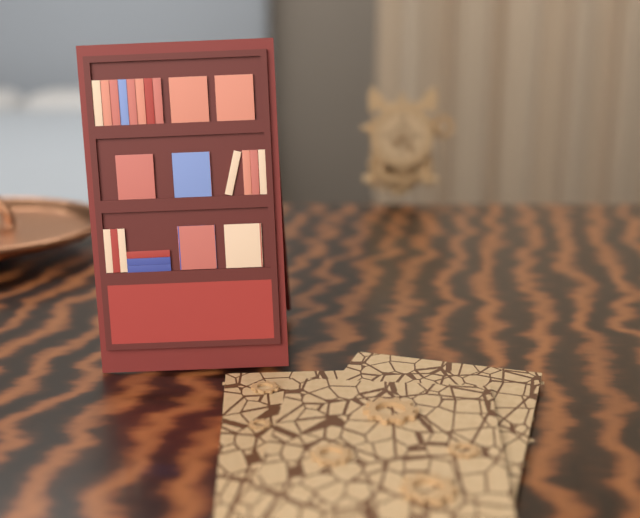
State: 7:24
